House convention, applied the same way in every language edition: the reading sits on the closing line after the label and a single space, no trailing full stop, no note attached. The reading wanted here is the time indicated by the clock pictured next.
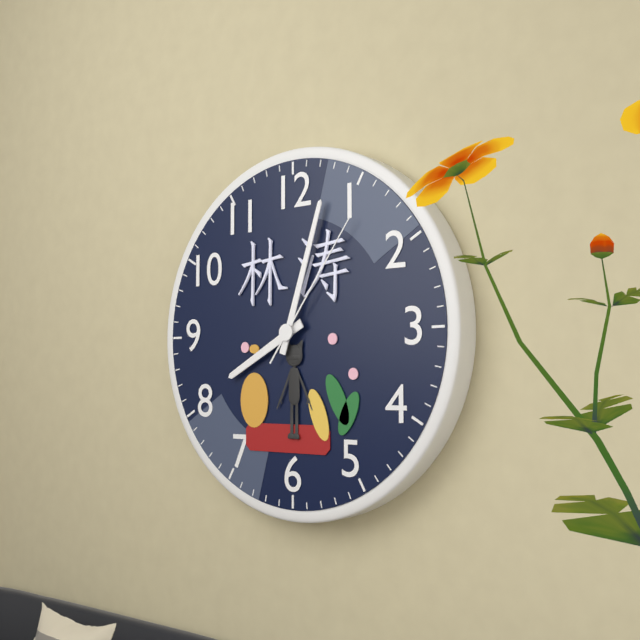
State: 8:03:06
